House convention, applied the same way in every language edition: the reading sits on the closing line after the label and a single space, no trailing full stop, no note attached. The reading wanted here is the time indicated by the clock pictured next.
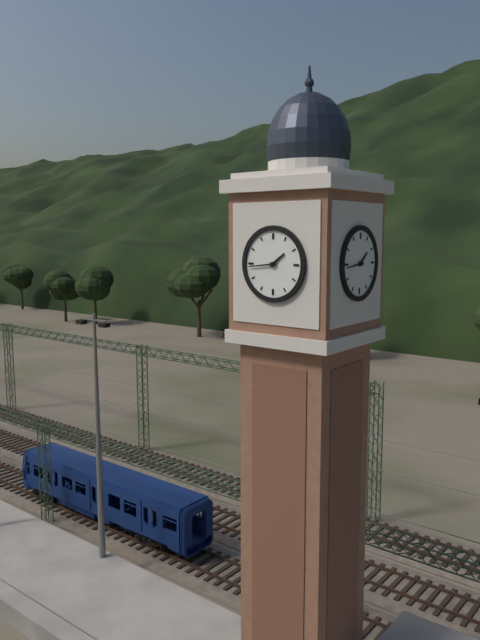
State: 1:44
